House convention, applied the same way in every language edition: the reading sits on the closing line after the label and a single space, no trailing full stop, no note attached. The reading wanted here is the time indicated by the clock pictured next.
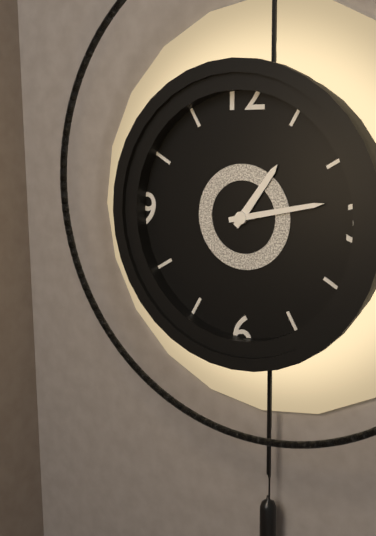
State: 1:13
